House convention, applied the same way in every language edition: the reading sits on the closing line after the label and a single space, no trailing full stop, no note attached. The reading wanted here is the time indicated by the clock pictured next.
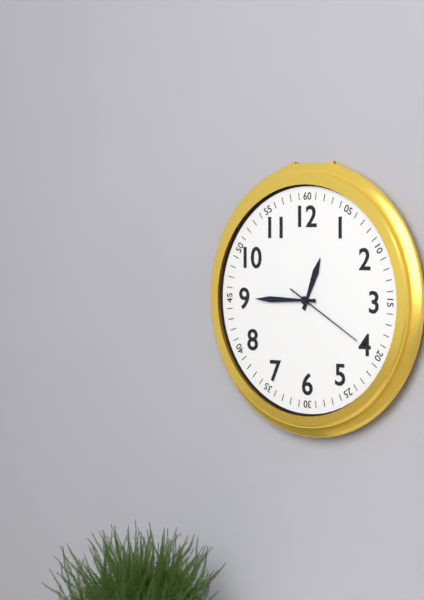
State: 12:45:20
